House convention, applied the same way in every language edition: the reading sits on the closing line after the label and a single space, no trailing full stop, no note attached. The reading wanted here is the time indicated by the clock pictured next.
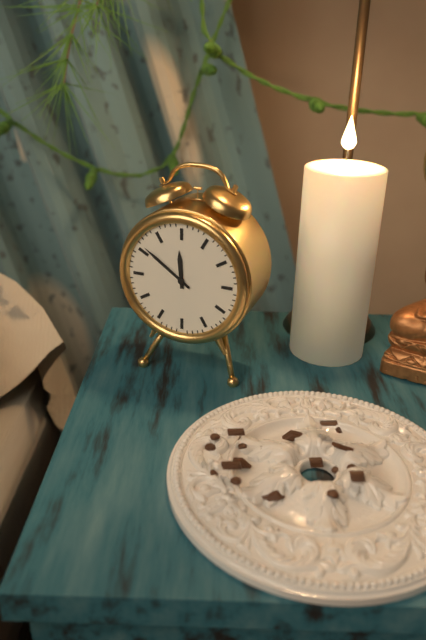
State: 11:51
